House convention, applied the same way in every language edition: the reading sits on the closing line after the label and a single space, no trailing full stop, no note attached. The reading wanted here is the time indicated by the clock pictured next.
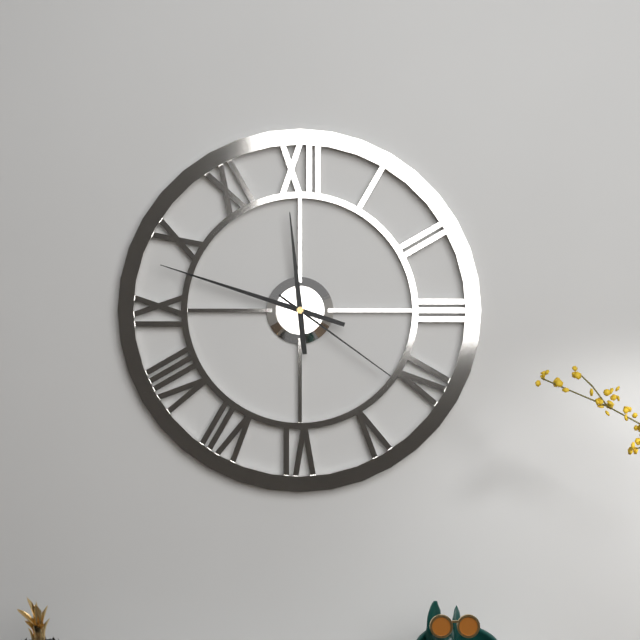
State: 11:48:21
